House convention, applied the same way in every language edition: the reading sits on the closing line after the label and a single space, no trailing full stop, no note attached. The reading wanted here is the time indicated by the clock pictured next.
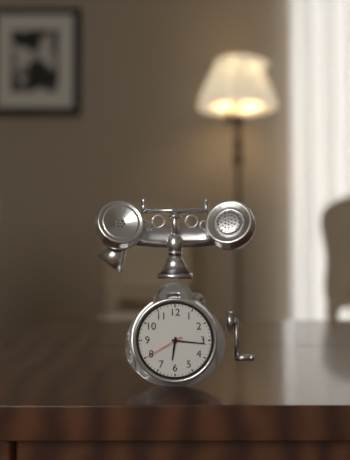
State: 6:16
